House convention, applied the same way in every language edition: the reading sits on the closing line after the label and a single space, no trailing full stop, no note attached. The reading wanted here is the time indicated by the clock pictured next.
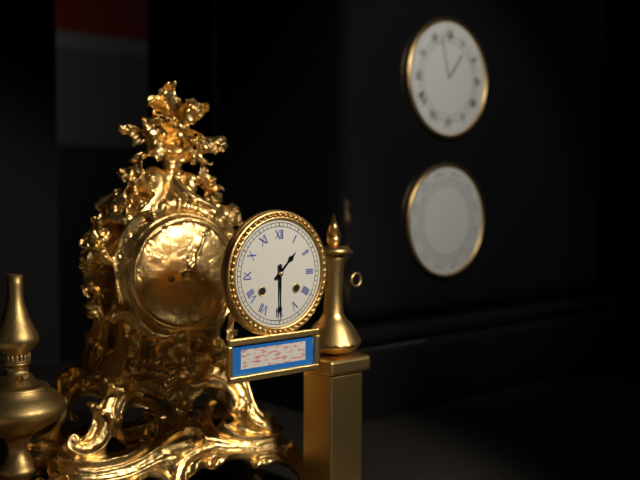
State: 1:30
